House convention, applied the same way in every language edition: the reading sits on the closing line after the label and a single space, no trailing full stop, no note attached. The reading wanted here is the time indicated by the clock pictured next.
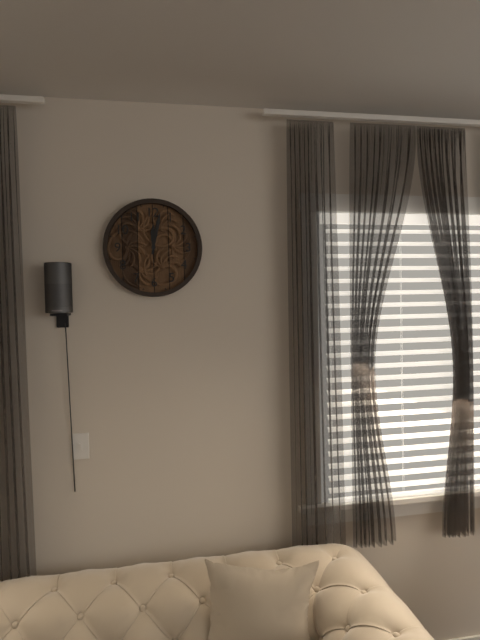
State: 12:02
